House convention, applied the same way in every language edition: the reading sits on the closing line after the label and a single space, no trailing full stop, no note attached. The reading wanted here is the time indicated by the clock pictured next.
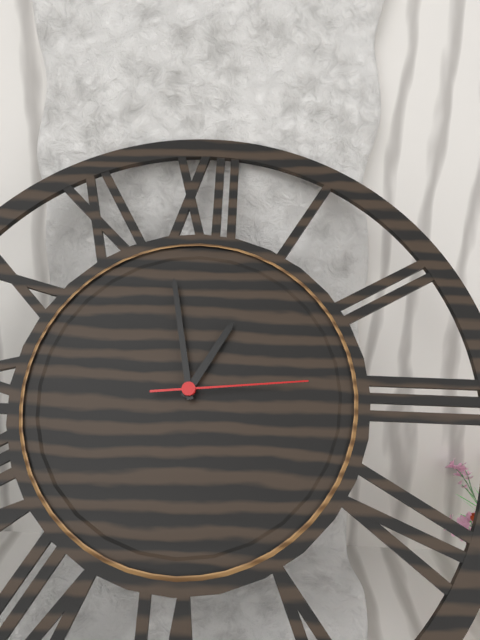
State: 12:58:14
